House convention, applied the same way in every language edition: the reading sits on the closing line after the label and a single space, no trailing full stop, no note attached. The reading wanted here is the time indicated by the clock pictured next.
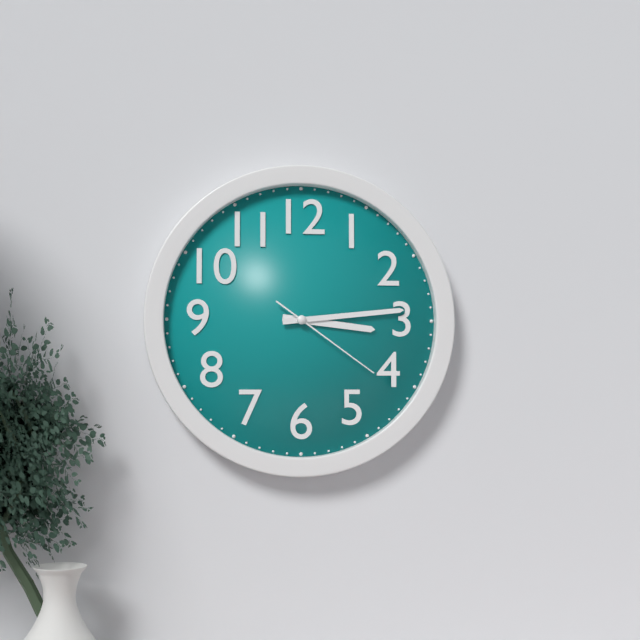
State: 3:14:21
